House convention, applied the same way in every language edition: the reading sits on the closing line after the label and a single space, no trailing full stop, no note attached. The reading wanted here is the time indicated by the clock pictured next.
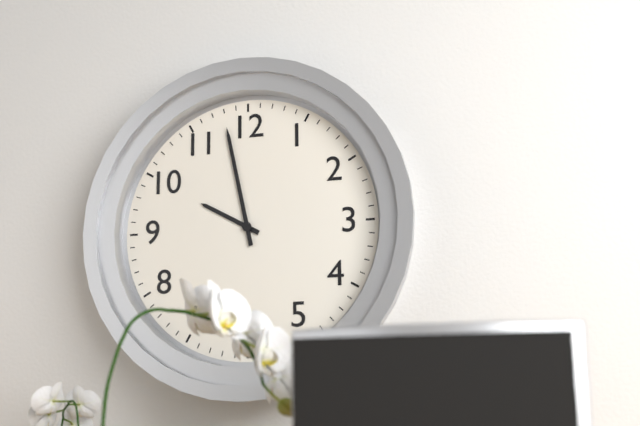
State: 9:58
